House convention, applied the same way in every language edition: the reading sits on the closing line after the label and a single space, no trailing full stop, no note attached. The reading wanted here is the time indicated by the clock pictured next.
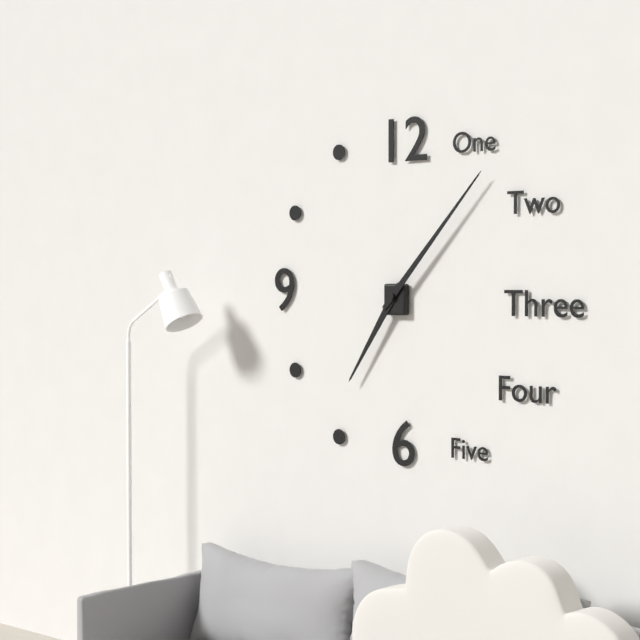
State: 7:07
